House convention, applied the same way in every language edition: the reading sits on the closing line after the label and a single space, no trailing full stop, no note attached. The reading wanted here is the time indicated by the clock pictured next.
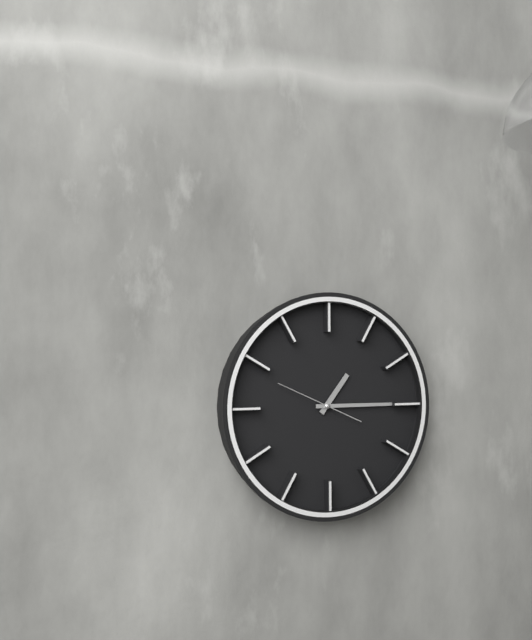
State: 1:15:49
